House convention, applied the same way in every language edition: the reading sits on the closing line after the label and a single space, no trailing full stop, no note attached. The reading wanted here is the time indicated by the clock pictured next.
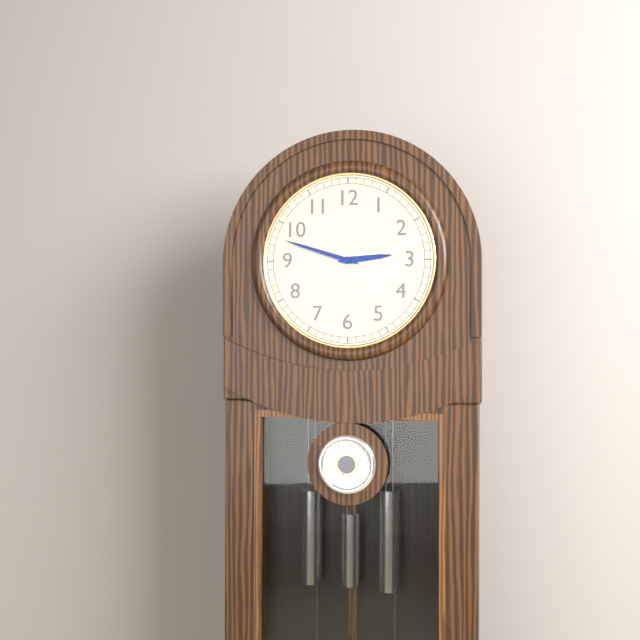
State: 2:48
